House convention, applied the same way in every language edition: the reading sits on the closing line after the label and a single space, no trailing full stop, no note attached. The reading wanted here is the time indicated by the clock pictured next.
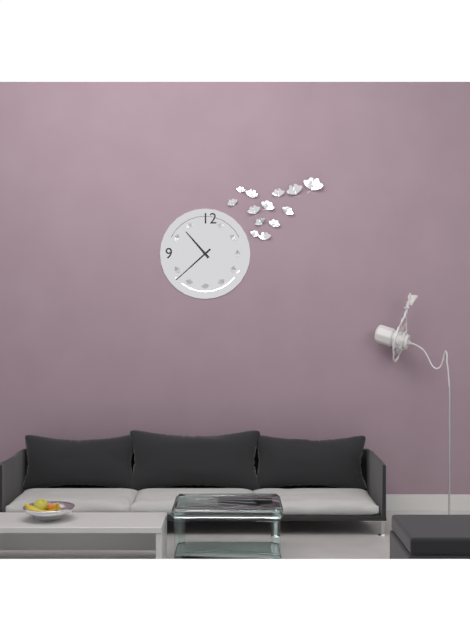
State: 10:38
